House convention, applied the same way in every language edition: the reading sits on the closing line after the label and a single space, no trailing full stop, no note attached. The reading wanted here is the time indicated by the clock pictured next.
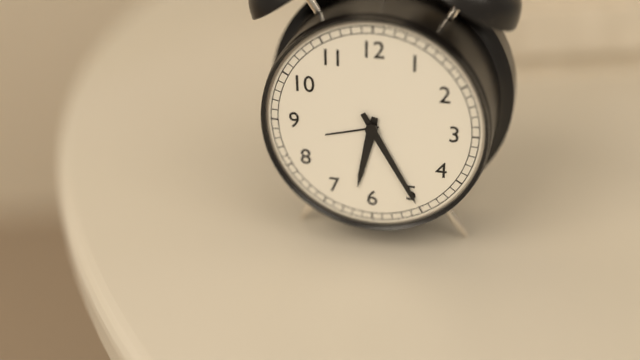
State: 6:25
